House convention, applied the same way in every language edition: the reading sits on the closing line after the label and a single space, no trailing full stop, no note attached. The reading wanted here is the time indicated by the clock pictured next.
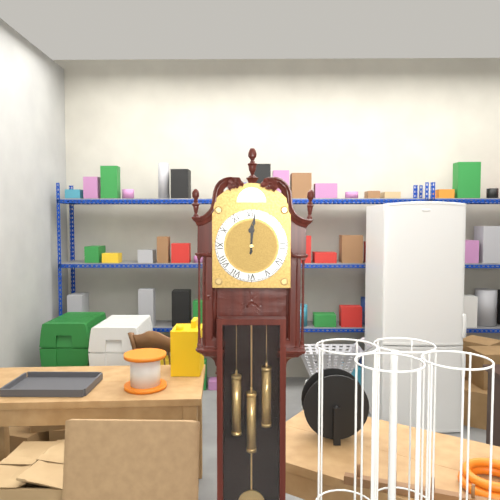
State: 12:01
